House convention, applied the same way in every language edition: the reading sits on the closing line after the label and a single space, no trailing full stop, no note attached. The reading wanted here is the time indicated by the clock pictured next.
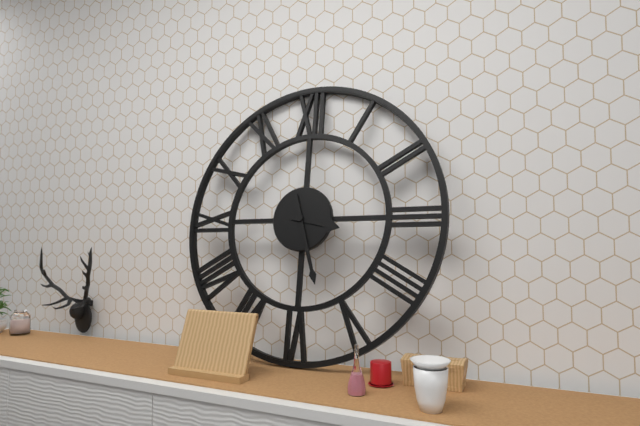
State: 3:27
